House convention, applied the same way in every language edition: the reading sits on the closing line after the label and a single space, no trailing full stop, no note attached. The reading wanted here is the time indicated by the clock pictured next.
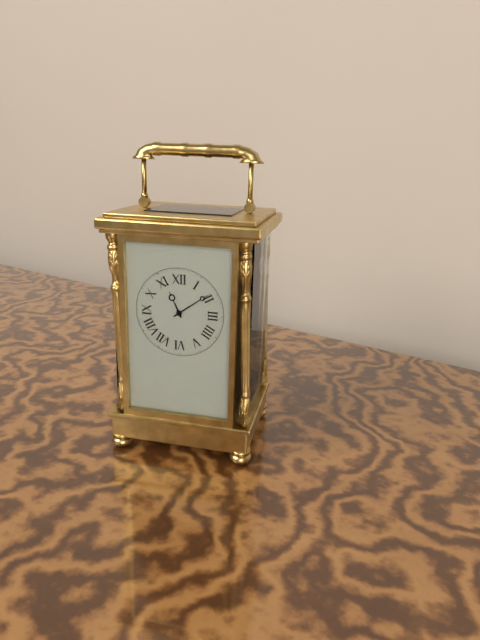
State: 11:09
